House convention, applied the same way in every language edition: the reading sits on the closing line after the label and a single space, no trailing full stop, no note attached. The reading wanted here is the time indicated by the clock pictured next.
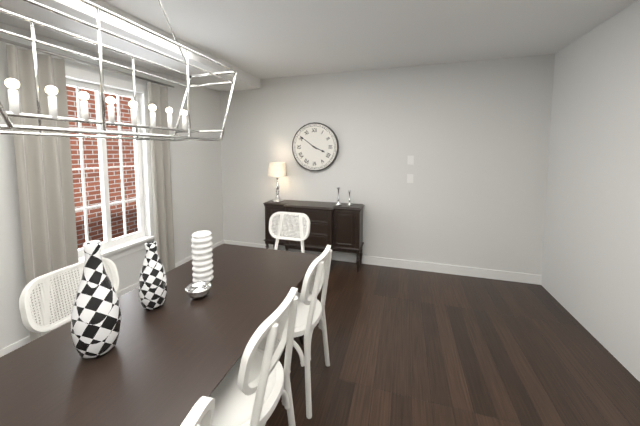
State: 3:51
